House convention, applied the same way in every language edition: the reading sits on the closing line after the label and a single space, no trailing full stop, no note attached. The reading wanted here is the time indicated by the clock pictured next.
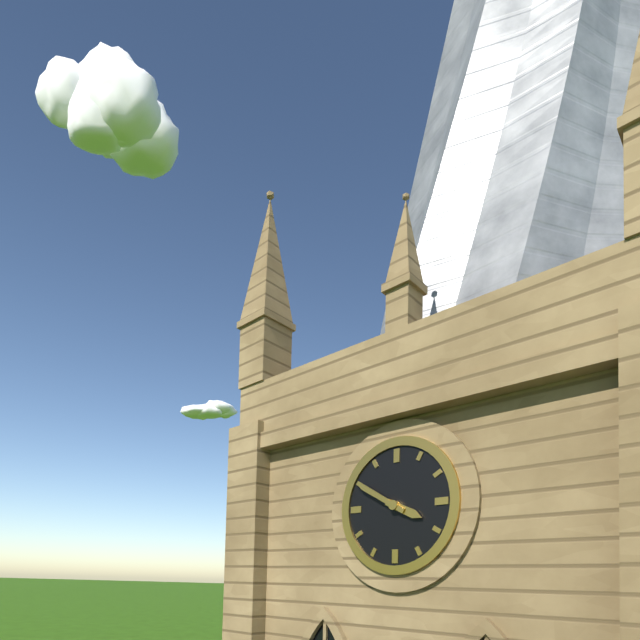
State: 3:50
